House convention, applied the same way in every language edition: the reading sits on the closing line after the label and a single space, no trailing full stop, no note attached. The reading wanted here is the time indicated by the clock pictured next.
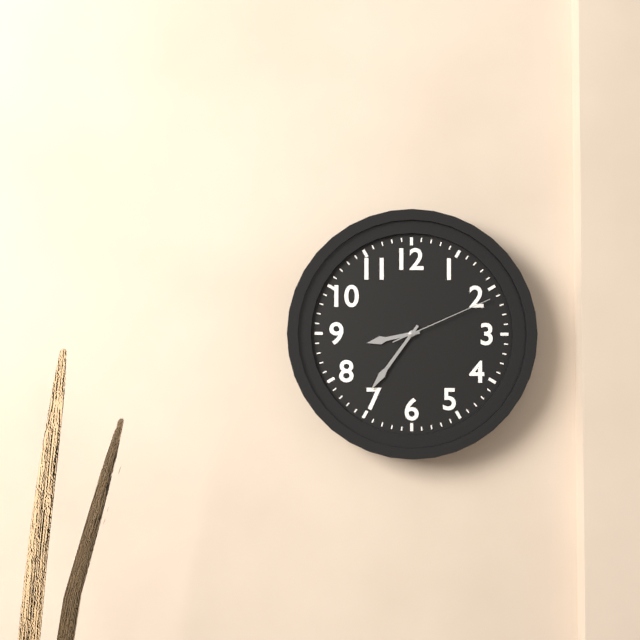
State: 8:36:11
